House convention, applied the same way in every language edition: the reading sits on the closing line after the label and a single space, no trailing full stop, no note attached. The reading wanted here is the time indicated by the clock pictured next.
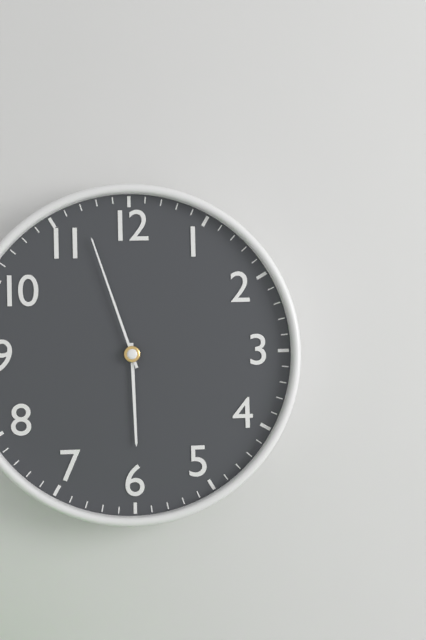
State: 5:57
